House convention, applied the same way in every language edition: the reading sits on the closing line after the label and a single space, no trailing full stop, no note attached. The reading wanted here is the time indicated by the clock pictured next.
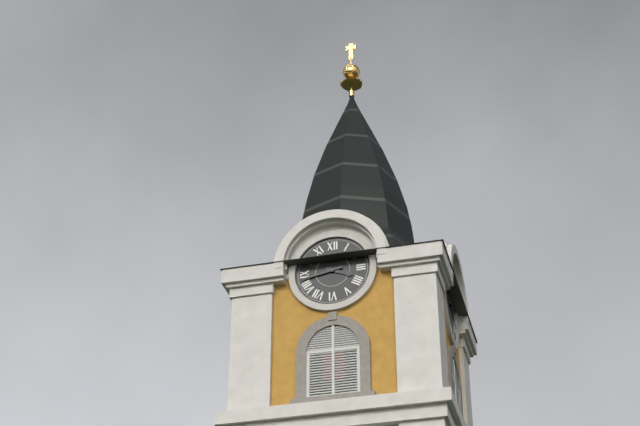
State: 3:43
